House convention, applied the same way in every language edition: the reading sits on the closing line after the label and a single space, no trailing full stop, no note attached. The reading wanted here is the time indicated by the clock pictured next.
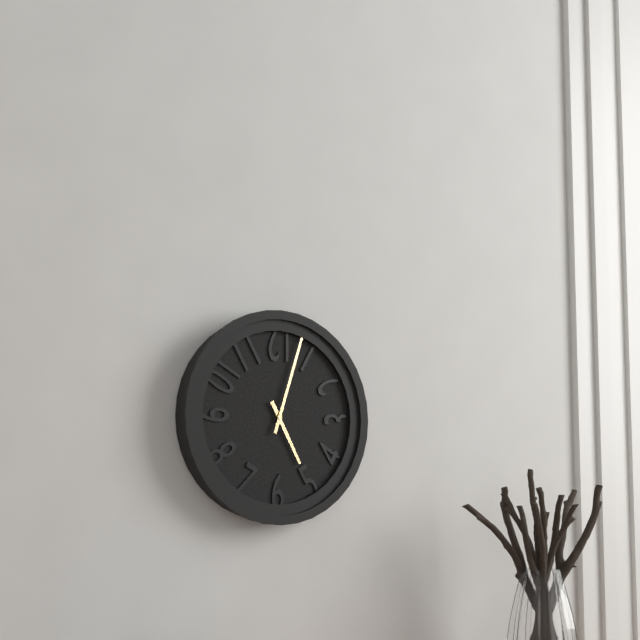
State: 5:03
